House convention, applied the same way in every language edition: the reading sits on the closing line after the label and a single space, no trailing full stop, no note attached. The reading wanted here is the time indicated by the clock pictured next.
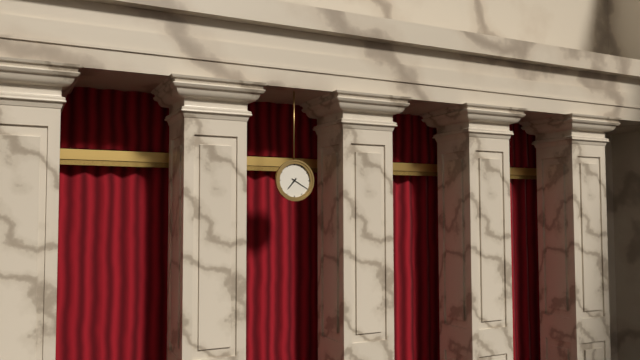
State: 7:20
